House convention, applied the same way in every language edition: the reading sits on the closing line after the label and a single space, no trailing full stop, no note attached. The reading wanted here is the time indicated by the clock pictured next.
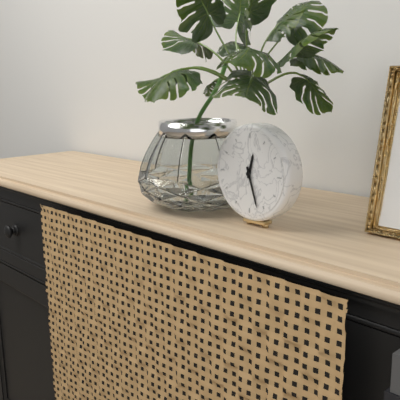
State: 12:27
